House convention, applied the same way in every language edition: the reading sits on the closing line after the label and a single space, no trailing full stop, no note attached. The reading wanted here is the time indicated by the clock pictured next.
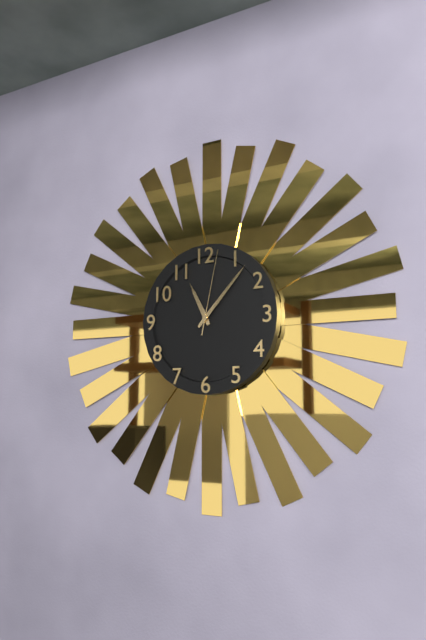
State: 11:07:02
